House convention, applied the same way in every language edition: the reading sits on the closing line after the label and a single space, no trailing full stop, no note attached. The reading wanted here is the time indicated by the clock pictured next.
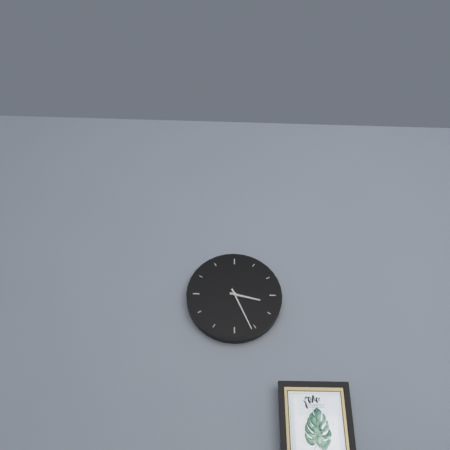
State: 3:26
